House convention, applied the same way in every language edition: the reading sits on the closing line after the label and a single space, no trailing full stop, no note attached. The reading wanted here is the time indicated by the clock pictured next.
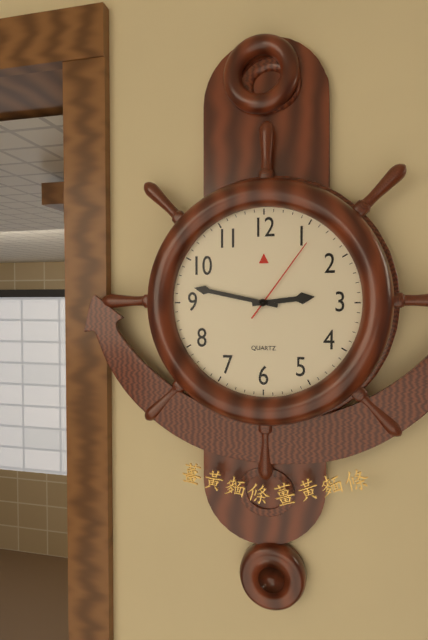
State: 2:47:06
